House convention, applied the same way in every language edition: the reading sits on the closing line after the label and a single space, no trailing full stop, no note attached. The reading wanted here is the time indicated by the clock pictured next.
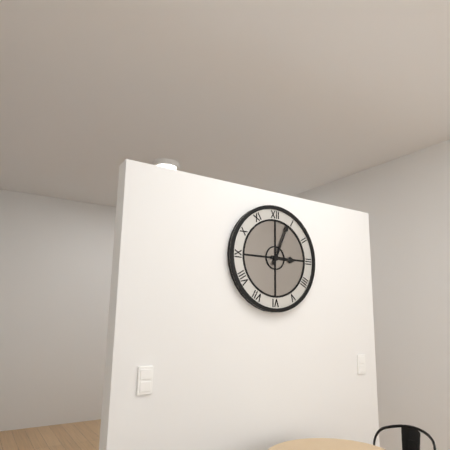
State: 3:04
